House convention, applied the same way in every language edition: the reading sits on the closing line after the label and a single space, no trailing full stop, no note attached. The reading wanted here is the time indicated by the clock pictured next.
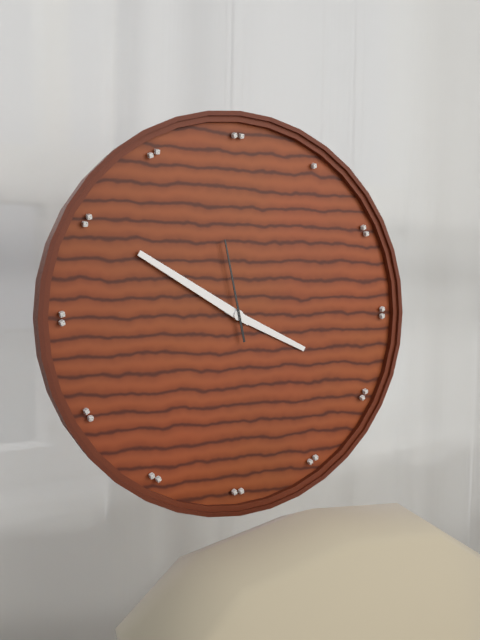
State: 3:50:58
